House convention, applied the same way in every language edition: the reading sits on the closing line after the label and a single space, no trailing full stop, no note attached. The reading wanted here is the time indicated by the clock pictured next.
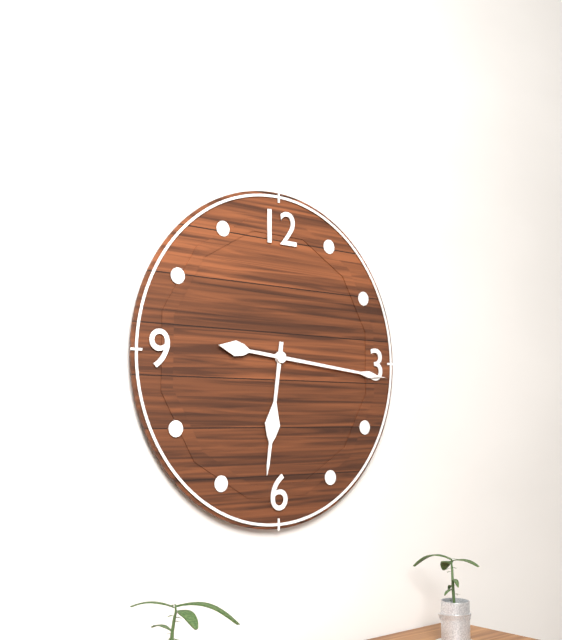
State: 6:16
